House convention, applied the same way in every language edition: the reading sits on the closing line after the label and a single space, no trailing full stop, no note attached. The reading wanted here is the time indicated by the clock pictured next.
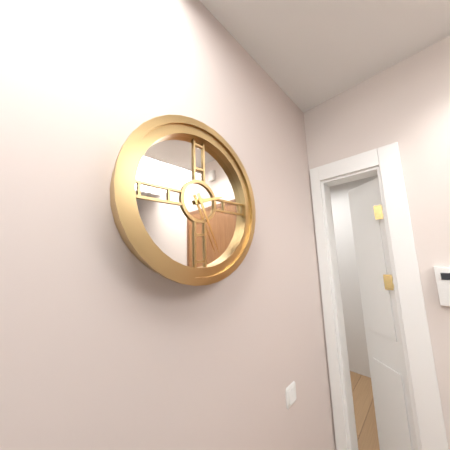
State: 2:26
